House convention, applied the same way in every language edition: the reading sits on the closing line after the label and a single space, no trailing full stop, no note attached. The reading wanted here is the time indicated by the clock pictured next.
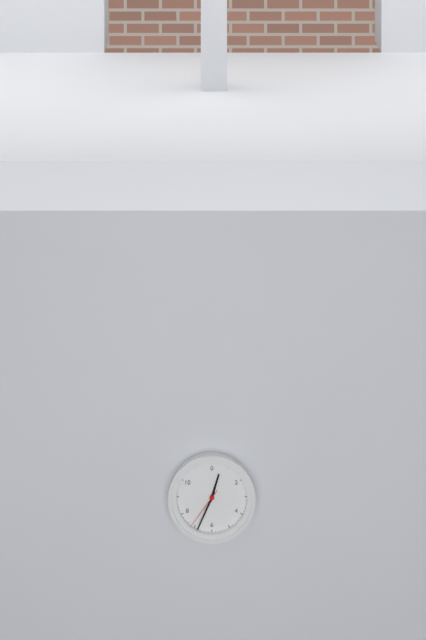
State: 12:34
